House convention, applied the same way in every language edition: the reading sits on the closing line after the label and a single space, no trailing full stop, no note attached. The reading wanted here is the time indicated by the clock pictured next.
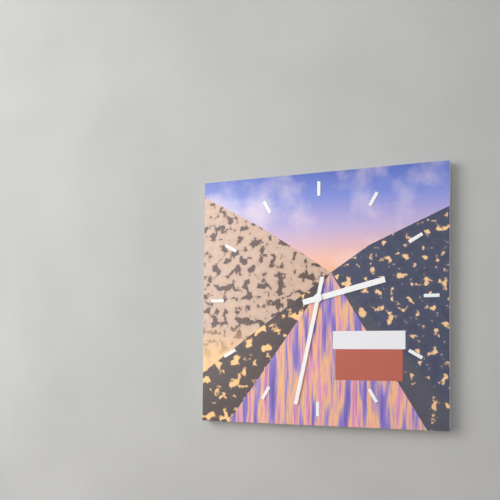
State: 2:32
